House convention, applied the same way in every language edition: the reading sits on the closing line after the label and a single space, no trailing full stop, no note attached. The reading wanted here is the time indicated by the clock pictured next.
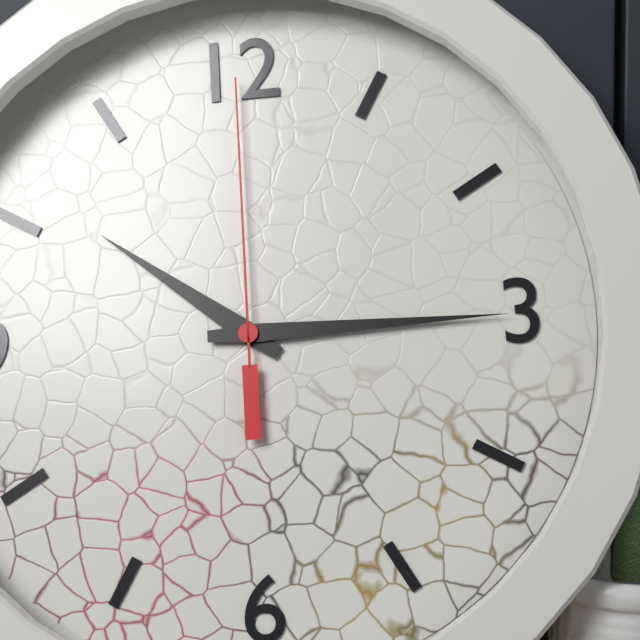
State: 10:15:00
